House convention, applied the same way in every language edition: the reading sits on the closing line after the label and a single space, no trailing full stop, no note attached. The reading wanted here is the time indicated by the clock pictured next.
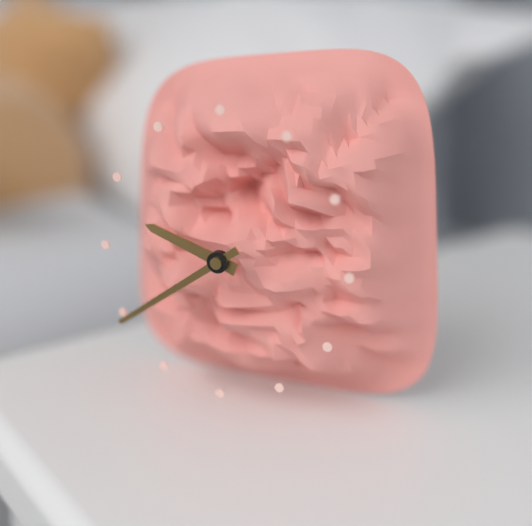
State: 9:39
